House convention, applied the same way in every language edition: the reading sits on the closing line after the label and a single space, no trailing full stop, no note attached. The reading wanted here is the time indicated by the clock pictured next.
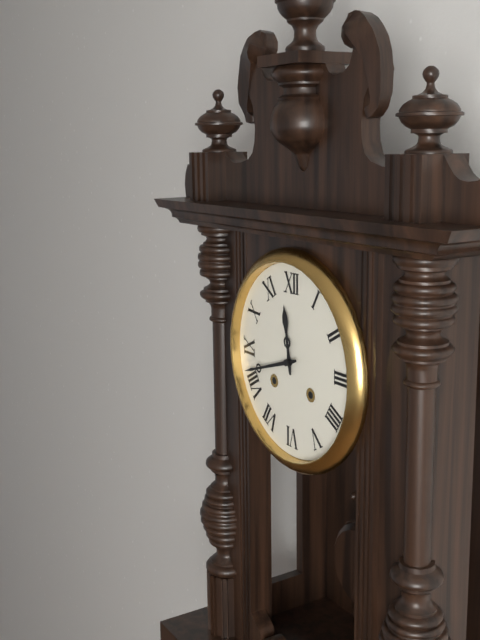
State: 11:42
